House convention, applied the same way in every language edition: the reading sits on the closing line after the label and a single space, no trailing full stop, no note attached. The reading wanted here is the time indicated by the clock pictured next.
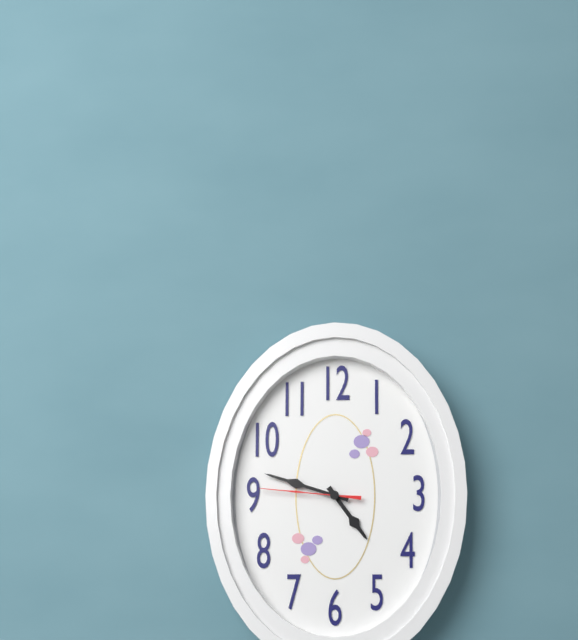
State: 4:48:46
